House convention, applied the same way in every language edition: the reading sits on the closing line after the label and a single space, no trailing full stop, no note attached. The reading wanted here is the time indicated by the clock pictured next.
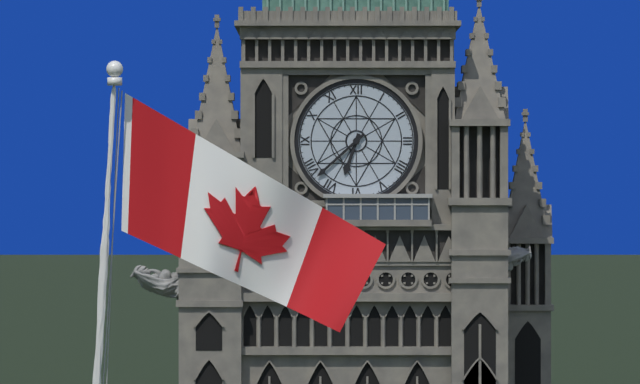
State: 6:38
